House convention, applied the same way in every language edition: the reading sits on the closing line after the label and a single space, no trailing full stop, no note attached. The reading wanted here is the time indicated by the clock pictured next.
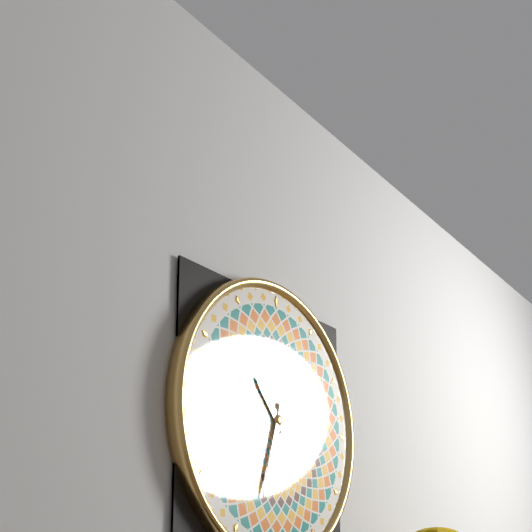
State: 10:33
